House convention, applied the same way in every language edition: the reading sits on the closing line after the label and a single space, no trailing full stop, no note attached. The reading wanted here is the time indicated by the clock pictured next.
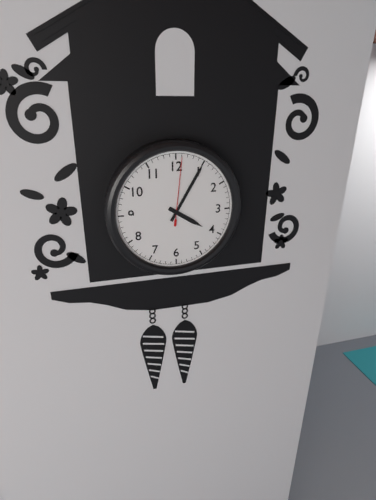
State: 4:05:01
